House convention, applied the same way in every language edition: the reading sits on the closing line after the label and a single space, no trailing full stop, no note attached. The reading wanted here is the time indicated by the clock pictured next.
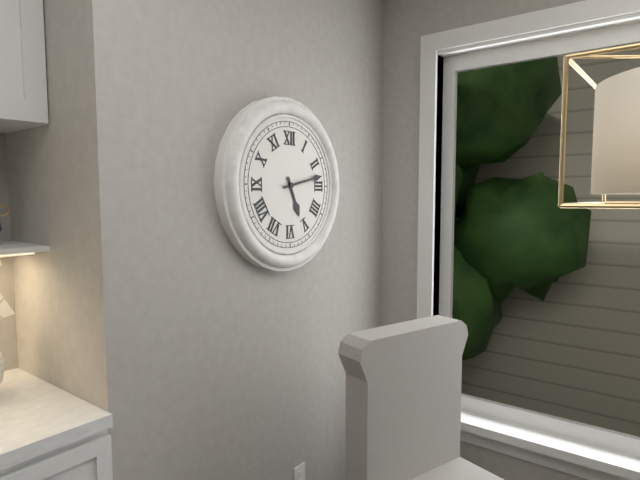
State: 5:13
